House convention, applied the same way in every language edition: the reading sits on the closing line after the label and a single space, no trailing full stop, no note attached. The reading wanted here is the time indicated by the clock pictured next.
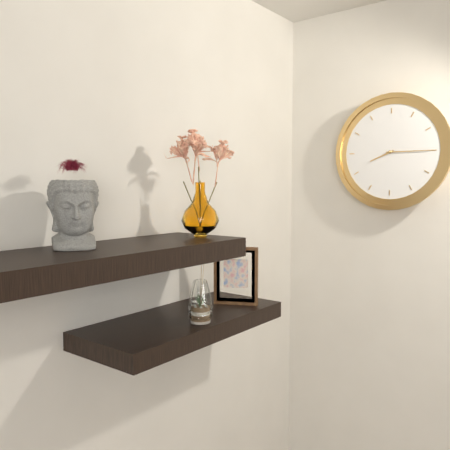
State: 8:15
